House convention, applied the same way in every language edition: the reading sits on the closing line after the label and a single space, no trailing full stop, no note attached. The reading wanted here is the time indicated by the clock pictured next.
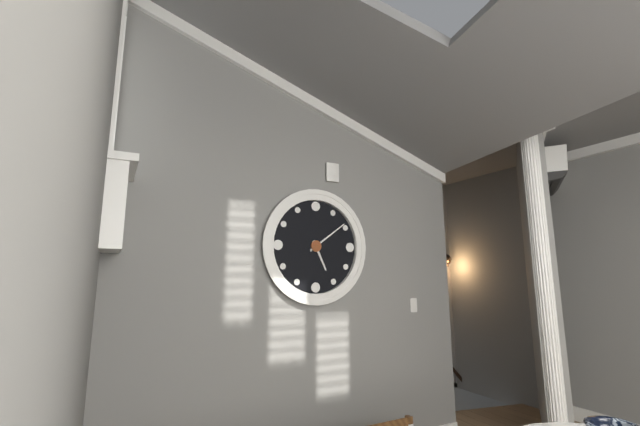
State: 5:09
